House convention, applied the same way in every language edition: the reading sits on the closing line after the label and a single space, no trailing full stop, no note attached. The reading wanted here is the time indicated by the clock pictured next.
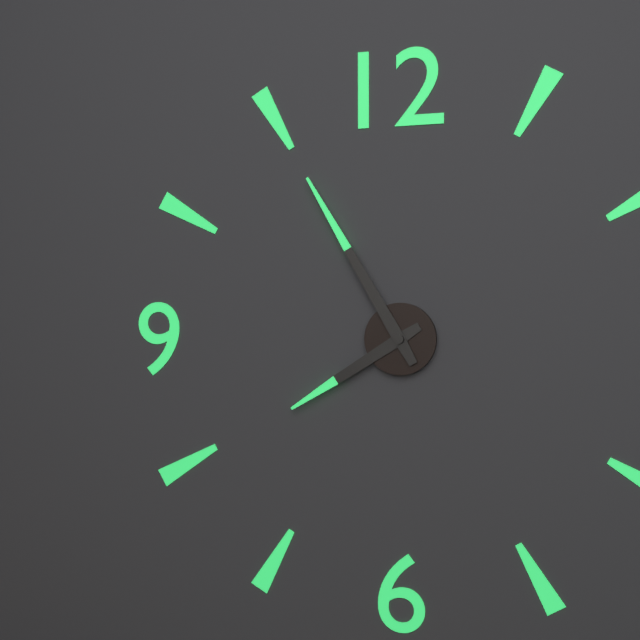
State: 7:55
